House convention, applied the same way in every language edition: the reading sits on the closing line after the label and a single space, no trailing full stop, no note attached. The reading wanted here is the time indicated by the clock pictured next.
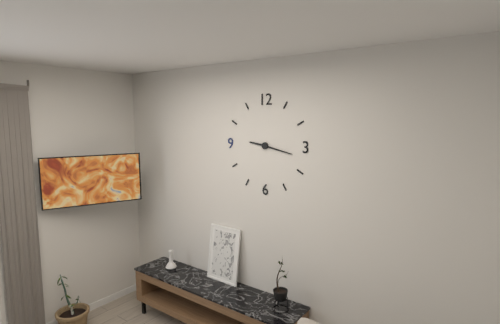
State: 9:17
